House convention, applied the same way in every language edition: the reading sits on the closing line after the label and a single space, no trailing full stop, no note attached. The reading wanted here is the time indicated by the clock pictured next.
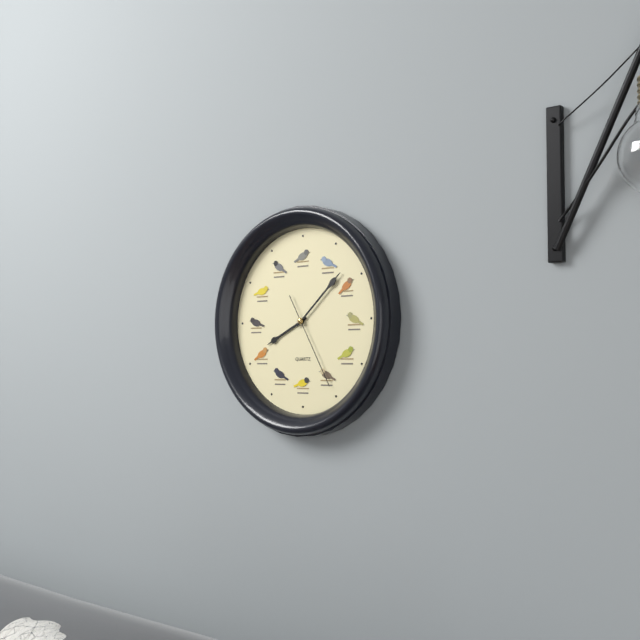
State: 8:08:25
